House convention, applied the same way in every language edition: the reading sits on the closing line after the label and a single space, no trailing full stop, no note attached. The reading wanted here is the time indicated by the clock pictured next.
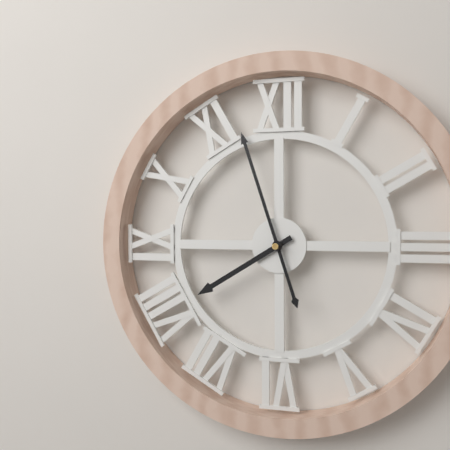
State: 7:57
